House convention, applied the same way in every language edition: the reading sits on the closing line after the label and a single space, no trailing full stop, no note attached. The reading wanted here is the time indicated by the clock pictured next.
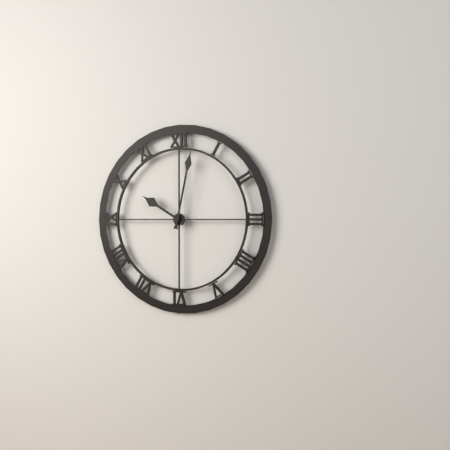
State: 10:02
